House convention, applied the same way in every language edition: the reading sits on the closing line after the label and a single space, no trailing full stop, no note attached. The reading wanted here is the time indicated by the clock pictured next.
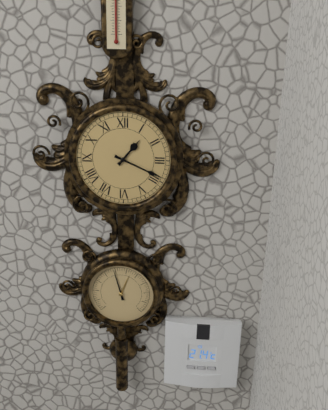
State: 1:19
